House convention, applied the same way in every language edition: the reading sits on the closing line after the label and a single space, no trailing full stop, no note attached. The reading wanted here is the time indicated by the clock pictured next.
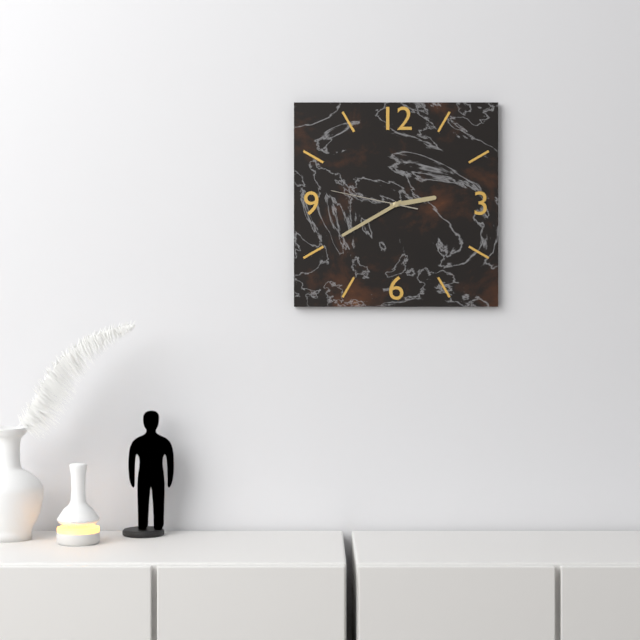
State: 2:40:47
